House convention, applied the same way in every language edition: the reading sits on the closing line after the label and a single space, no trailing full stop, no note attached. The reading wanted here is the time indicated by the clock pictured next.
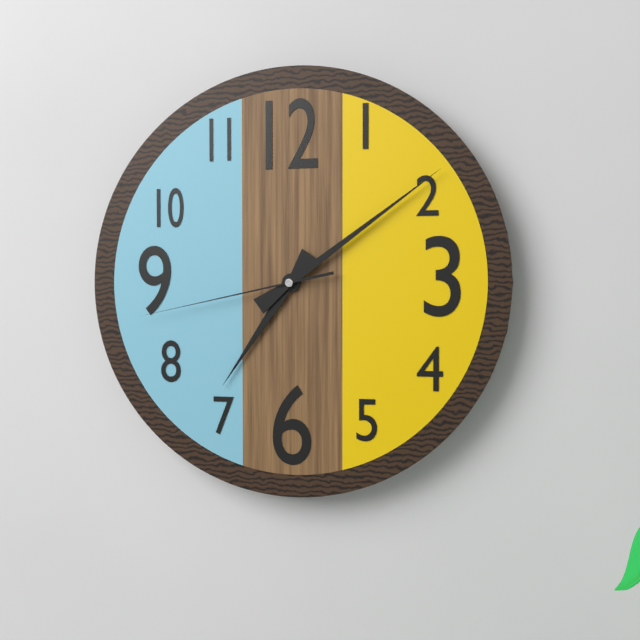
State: 7:09:43
